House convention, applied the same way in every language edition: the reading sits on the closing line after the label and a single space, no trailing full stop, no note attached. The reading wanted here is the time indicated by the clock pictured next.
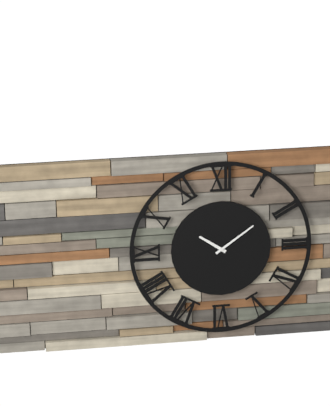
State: 10:09
